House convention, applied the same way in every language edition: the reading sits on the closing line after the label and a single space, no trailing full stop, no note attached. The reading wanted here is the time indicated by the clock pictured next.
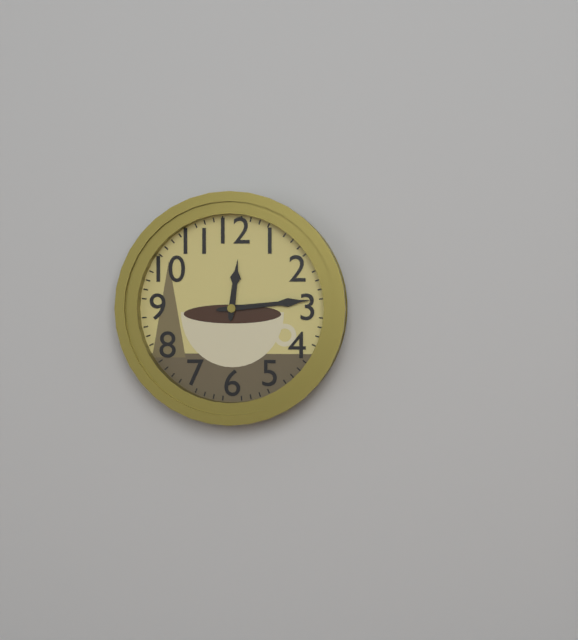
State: 12:14
